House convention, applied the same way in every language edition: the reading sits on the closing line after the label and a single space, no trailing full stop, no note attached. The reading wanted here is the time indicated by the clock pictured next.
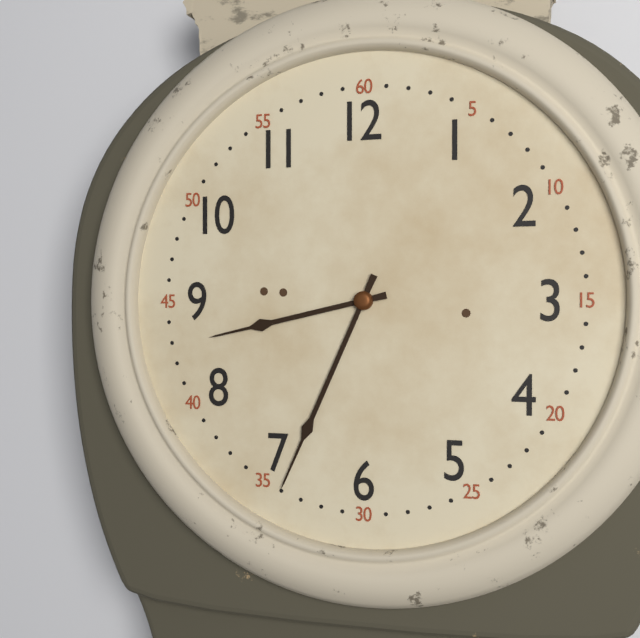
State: 8:34
